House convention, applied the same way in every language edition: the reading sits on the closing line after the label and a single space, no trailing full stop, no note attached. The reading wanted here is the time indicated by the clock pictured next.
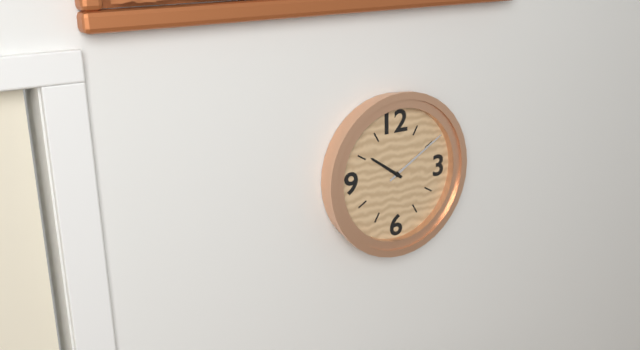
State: 10:10
